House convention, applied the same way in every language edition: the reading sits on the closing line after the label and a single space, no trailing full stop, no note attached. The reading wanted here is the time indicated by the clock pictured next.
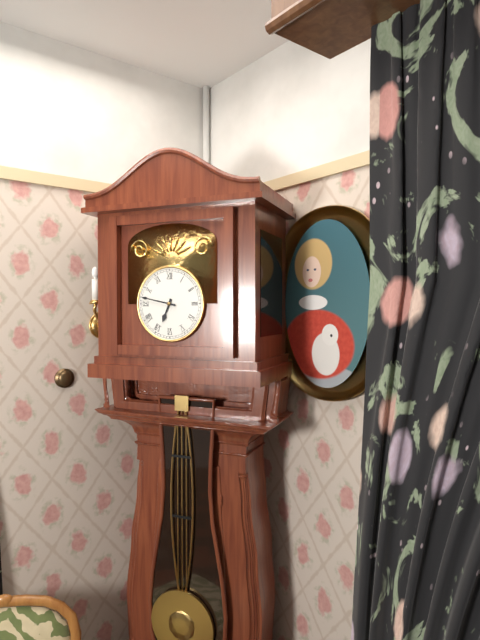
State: 6:47
